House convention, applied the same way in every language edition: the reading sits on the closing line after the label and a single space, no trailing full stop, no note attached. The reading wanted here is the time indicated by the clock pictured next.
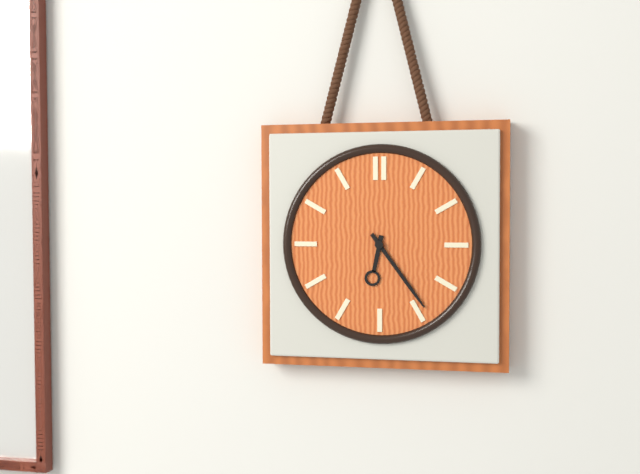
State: 6:24
